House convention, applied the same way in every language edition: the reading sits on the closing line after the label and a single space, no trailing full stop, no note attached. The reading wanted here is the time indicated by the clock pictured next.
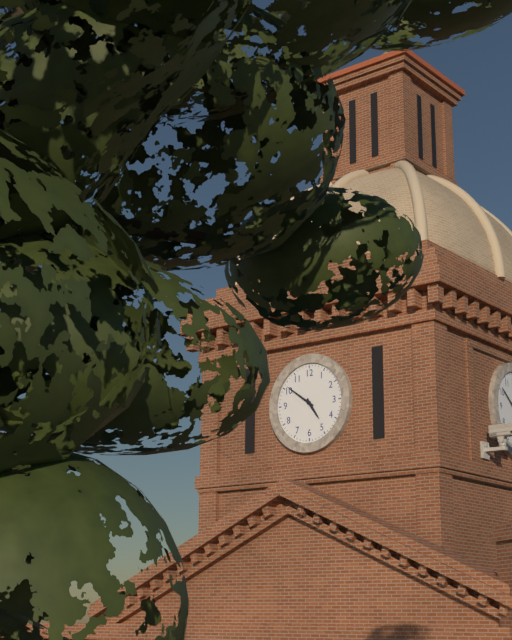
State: 4:51
